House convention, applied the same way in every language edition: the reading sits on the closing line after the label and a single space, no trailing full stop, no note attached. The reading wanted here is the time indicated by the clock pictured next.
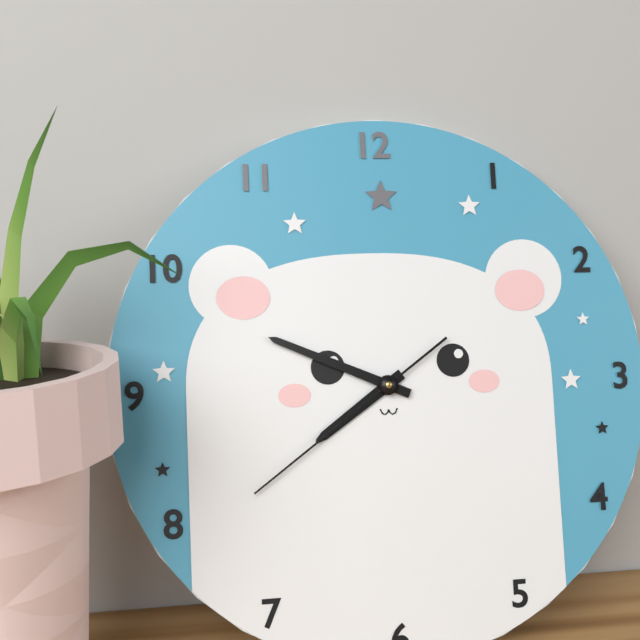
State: 7:49:39
